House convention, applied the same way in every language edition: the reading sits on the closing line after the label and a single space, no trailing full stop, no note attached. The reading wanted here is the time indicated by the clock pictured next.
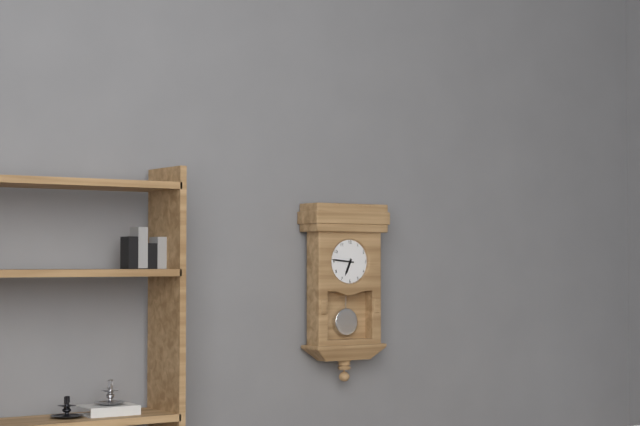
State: 6:46
